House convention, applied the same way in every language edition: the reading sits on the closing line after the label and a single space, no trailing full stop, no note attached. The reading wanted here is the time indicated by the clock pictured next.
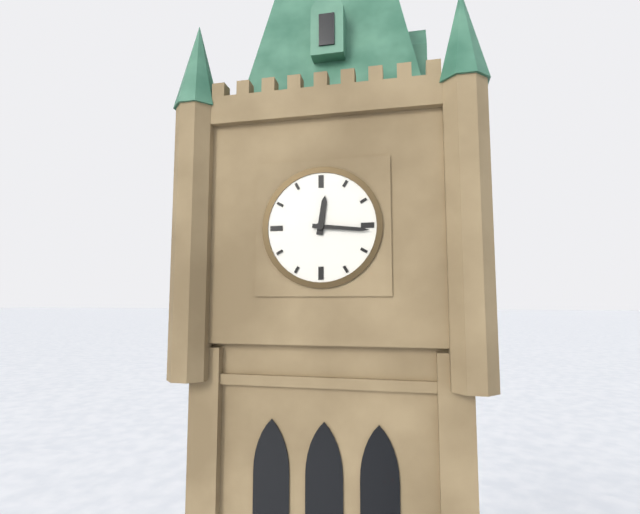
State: 12:16
